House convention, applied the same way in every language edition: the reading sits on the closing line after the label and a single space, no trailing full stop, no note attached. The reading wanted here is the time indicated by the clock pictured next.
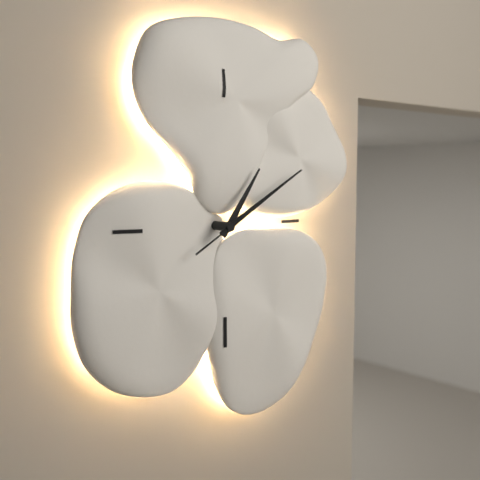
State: 1:10:10
